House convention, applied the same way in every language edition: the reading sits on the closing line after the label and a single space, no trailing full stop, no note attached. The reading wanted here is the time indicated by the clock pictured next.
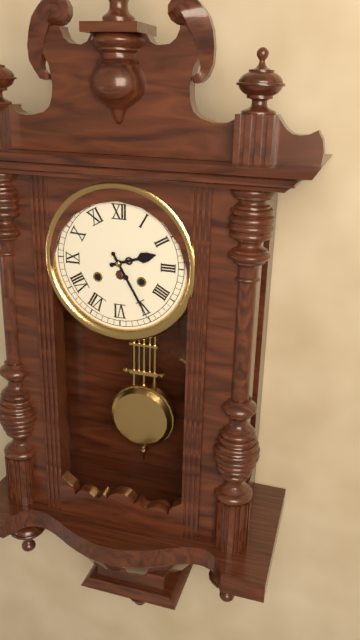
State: 2:25
